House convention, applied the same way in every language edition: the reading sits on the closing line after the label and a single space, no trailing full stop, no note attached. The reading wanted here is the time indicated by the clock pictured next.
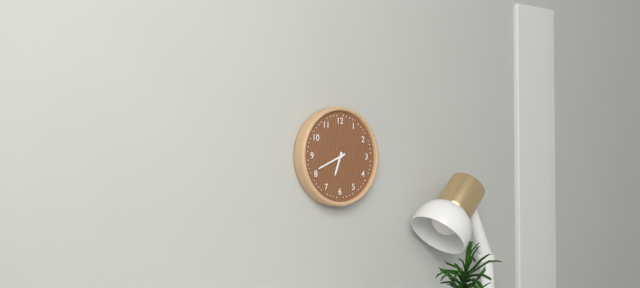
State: 6:41
